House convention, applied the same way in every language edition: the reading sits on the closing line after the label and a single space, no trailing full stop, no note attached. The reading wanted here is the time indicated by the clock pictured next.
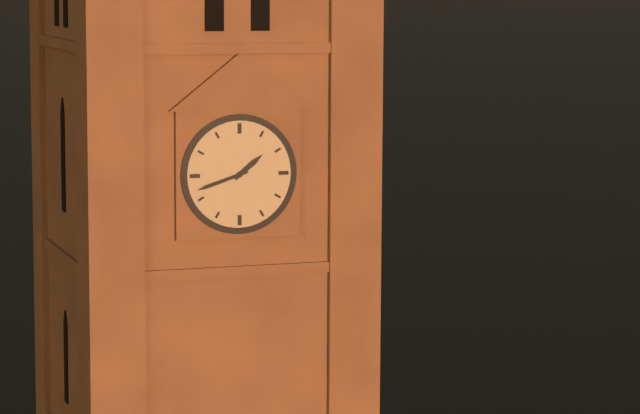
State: 1:42
